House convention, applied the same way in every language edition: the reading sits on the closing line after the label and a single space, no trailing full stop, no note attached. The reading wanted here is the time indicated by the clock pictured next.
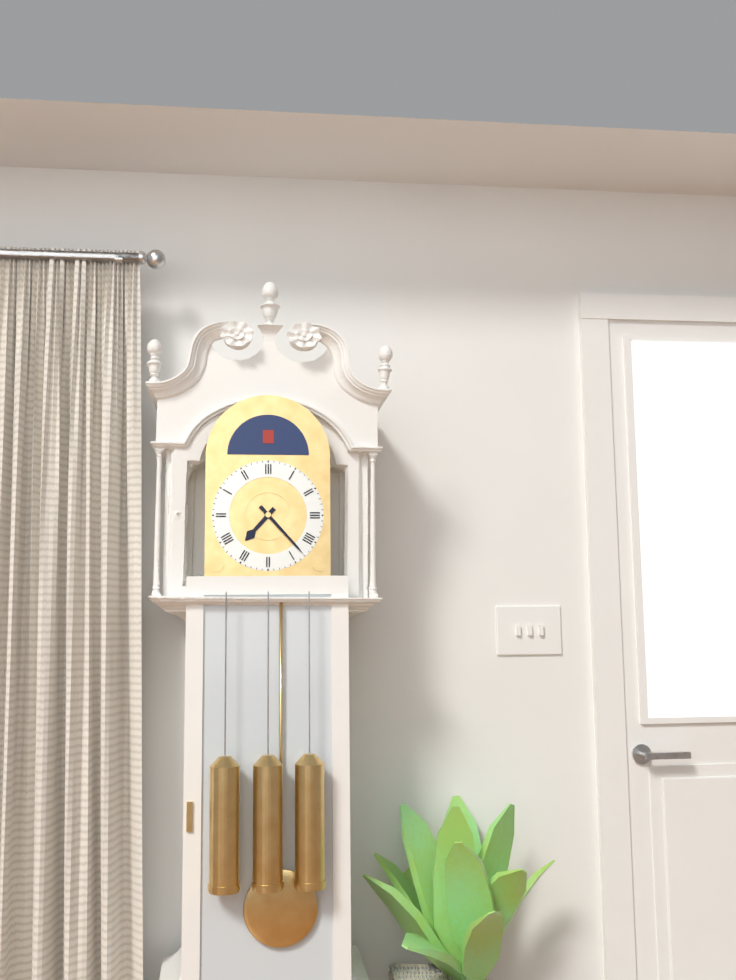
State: 7:23
